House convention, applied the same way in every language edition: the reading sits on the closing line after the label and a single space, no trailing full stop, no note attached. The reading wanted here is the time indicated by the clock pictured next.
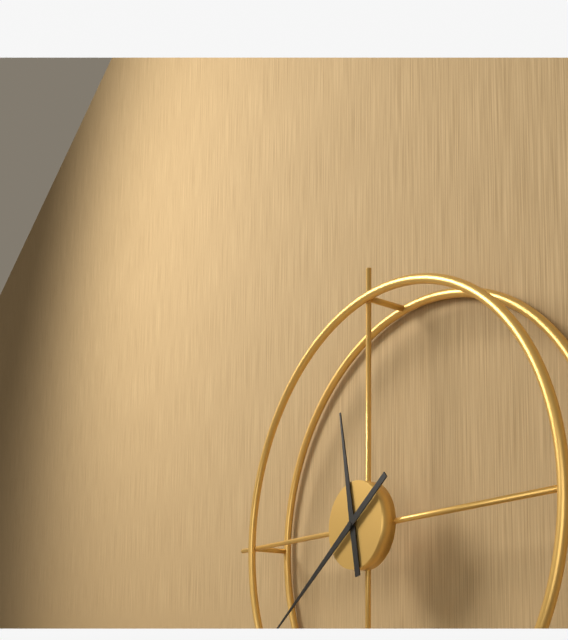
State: 11:39
